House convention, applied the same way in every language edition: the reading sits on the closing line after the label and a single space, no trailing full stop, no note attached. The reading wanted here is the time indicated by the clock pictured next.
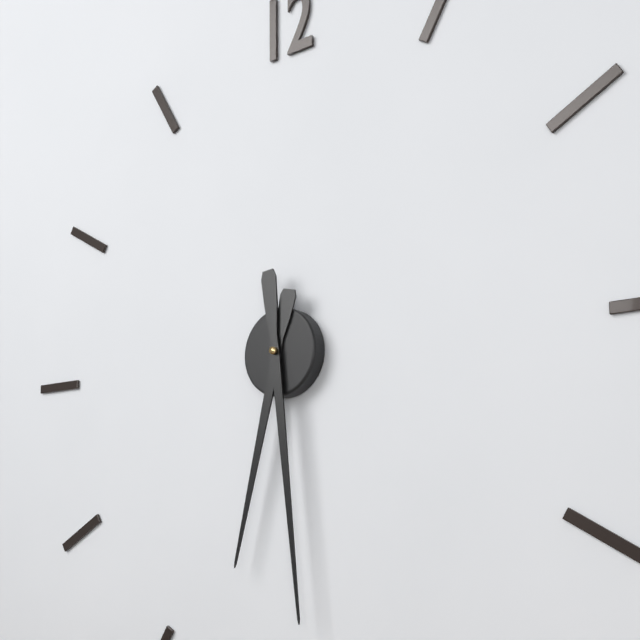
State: 6:29
